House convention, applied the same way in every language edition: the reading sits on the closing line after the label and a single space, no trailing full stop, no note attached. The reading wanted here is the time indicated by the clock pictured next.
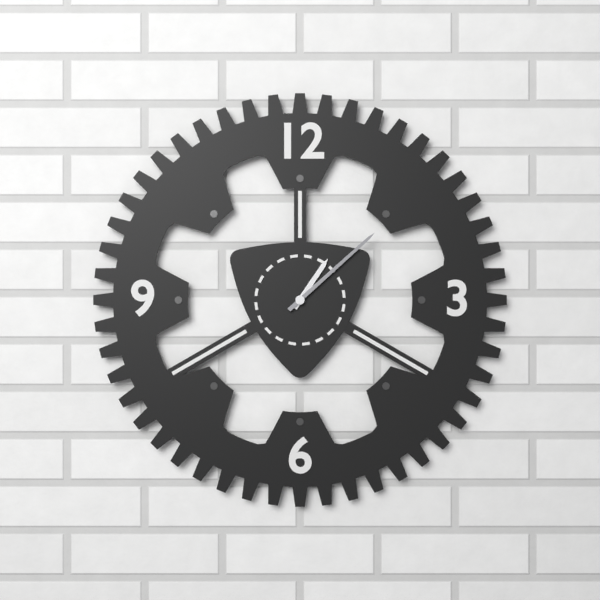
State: 1:08
